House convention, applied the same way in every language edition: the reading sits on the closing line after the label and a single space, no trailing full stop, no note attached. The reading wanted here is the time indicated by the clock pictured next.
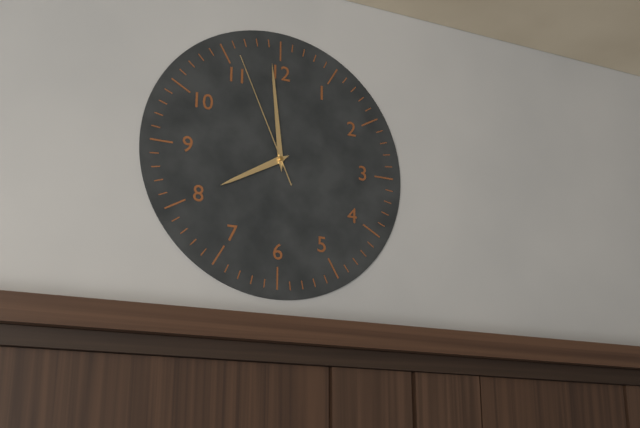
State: 7:59:56
